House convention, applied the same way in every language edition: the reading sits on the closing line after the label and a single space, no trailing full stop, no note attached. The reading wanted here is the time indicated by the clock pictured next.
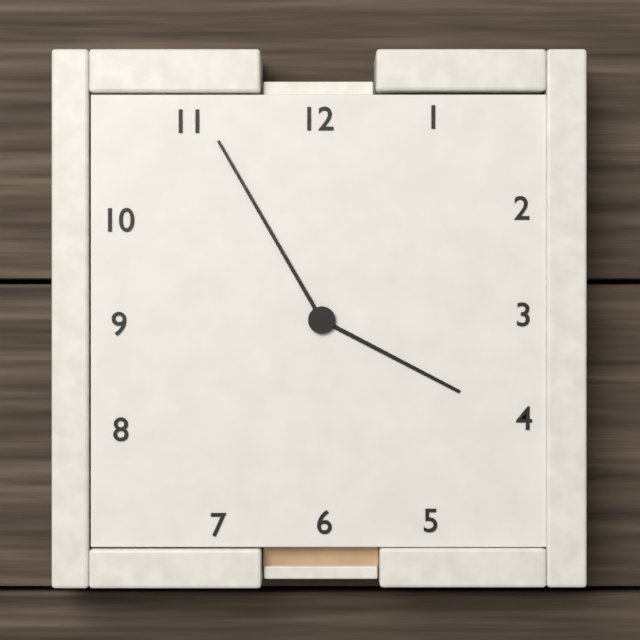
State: 3:55
